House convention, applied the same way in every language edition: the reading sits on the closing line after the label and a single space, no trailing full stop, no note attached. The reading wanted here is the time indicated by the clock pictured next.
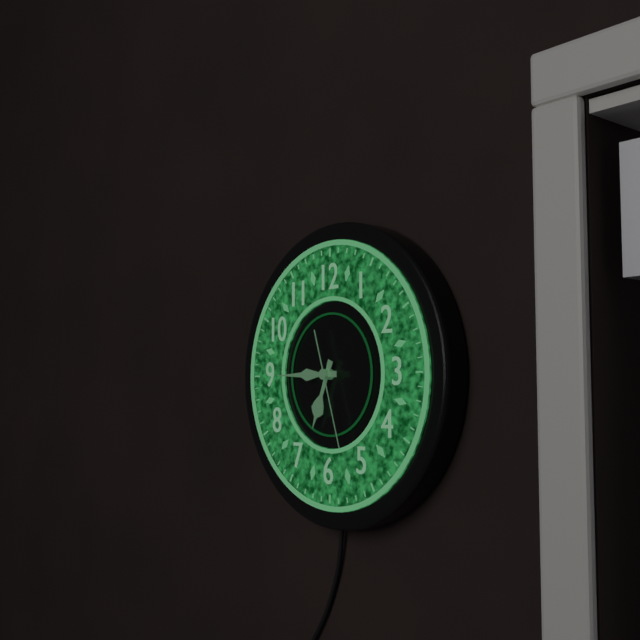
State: 6:45:27
